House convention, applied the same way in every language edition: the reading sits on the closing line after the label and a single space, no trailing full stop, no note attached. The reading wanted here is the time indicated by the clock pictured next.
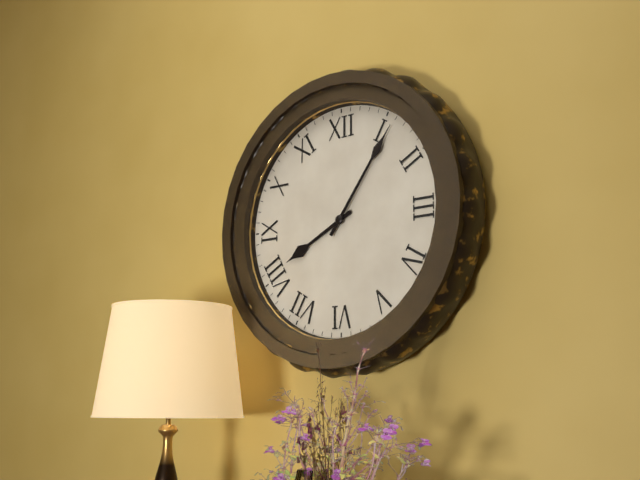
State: 8:06
